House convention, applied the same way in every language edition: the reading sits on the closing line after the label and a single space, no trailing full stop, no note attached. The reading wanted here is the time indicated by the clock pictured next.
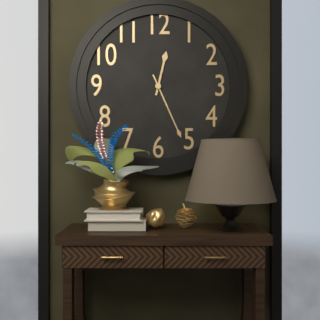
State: 12:26
